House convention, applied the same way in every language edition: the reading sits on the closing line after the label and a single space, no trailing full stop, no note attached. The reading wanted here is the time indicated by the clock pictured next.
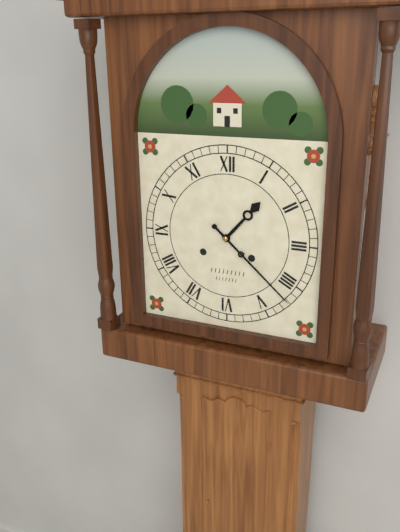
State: 1:22
